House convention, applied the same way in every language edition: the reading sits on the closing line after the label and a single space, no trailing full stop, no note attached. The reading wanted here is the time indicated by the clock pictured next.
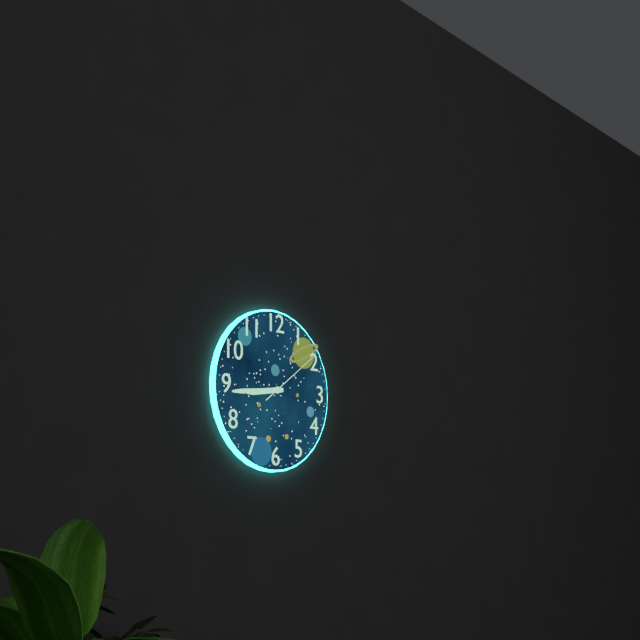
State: 8:44:09
